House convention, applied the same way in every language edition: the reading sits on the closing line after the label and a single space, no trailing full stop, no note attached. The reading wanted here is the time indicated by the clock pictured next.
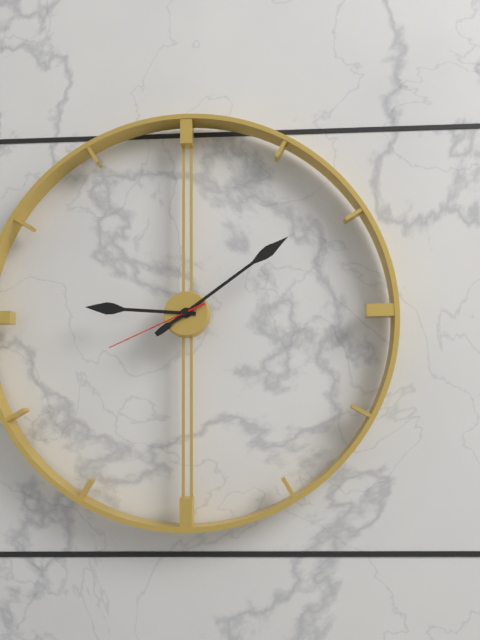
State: 9:09:41
